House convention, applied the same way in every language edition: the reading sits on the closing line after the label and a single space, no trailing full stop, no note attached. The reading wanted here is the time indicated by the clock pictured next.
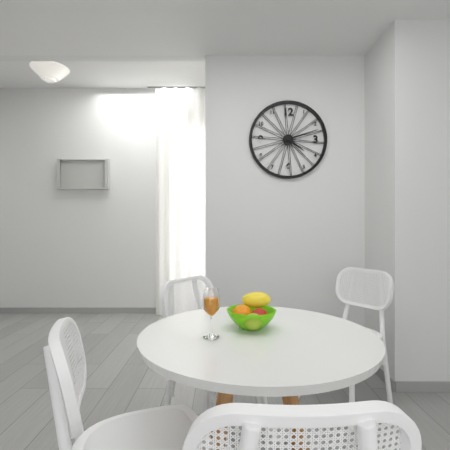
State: 4:12
